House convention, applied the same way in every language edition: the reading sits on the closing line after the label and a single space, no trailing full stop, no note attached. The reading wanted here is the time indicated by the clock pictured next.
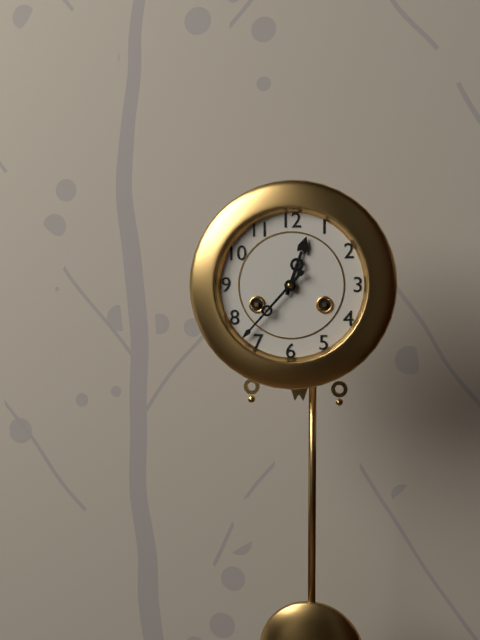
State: 12:37
